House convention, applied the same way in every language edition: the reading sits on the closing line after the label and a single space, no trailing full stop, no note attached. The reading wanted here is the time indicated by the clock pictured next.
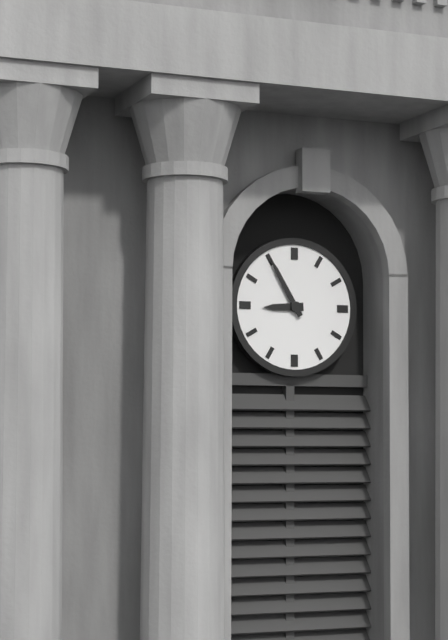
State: 8:55
